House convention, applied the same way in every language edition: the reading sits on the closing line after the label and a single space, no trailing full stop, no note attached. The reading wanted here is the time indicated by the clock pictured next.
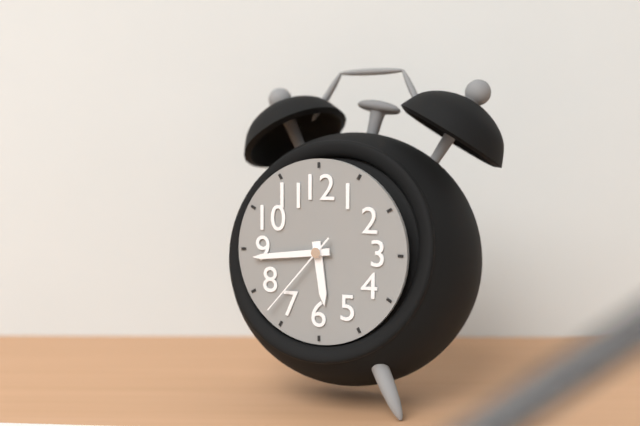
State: 5:44:37
